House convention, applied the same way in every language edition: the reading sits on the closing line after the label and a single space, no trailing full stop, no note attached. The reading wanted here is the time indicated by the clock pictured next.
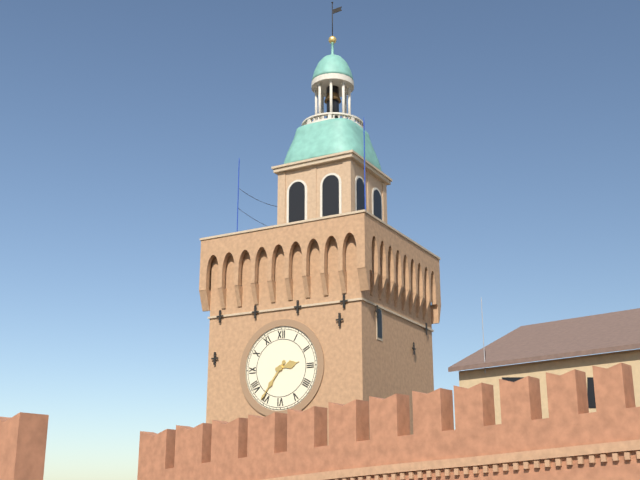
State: 2:36
